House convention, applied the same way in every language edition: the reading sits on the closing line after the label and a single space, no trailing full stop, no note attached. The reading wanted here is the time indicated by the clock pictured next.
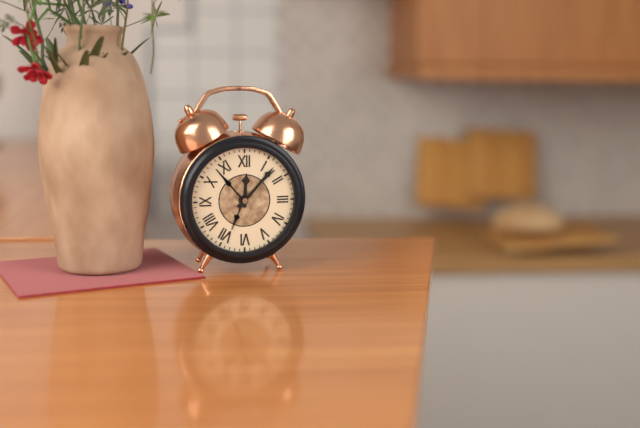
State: 12:07
